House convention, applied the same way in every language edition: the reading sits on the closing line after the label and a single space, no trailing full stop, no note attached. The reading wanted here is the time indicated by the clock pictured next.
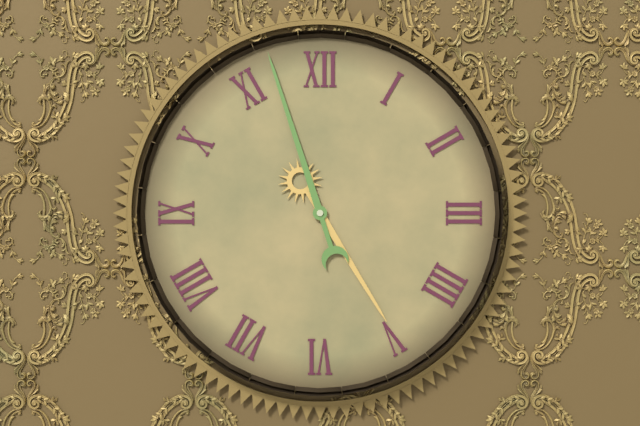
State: 4:57
